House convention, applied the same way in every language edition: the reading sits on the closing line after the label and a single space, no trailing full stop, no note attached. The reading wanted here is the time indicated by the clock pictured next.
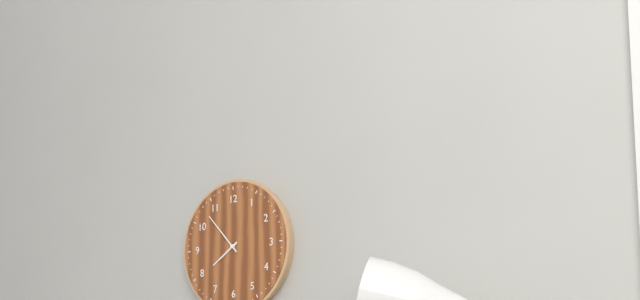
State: 7:53
